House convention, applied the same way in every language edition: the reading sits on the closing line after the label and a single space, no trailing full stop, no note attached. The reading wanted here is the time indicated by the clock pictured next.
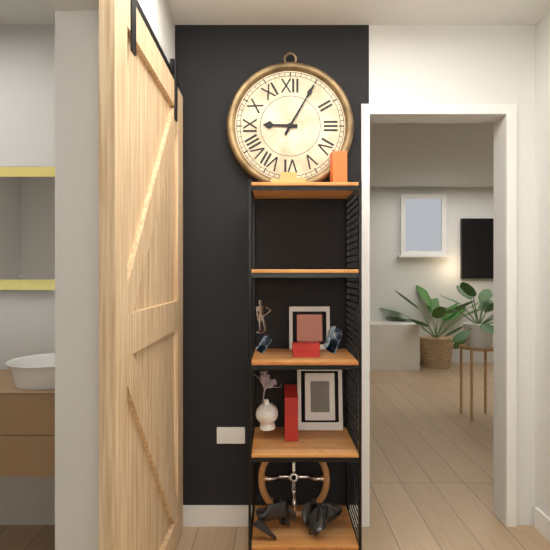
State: 9:05
